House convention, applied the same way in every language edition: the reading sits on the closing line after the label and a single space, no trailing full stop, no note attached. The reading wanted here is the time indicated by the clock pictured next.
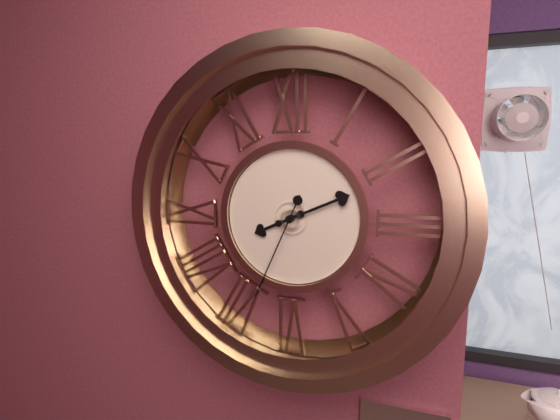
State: 8:11:34
